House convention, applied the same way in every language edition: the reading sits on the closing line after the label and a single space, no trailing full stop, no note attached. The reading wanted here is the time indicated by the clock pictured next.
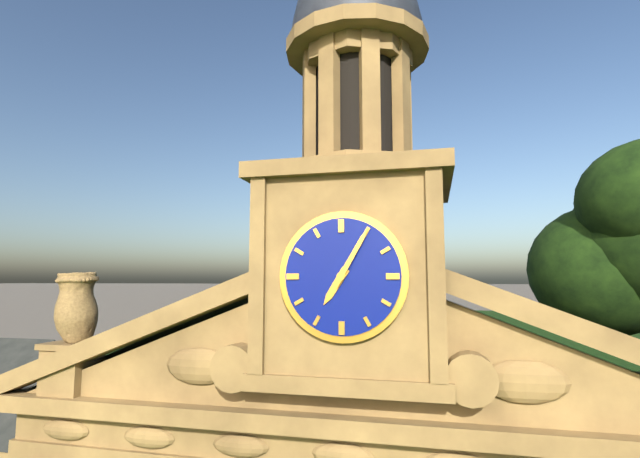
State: 7:05
